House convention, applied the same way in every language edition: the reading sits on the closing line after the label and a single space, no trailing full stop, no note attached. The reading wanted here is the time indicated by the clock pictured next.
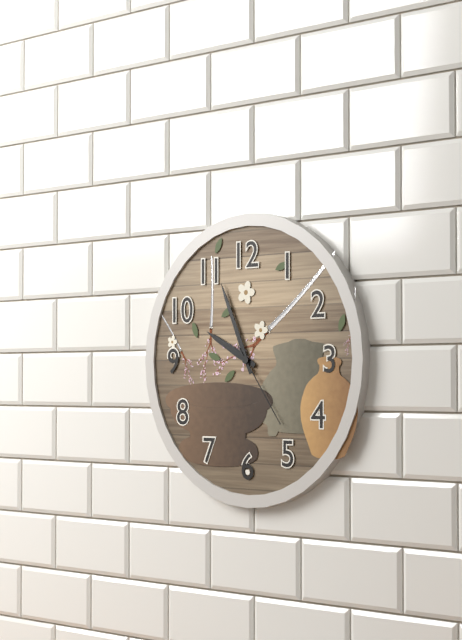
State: 9:56:24
